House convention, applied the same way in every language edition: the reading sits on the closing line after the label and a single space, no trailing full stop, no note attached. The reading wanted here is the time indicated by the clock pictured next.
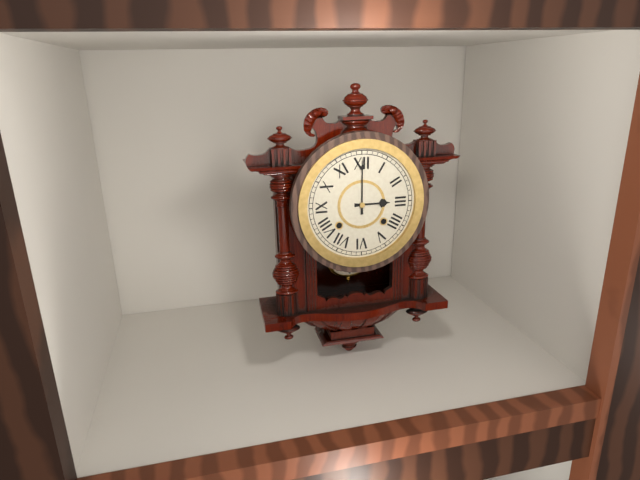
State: 3:00
